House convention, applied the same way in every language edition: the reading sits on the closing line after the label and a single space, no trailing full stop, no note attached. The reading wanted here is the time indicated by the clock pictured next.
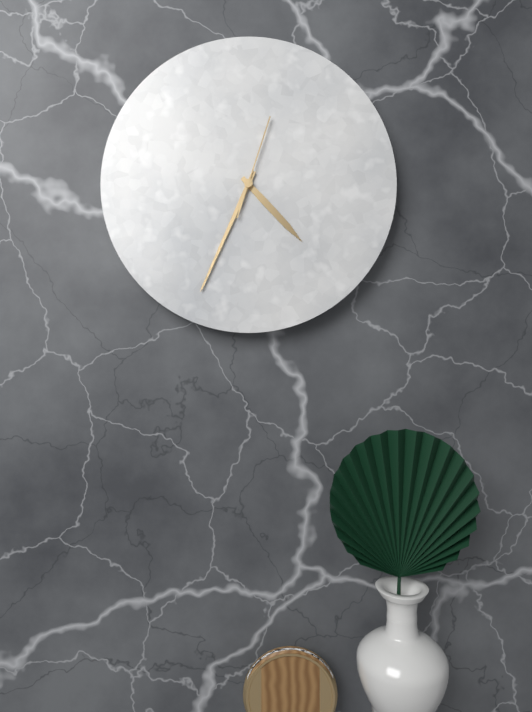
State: 4:34:03
